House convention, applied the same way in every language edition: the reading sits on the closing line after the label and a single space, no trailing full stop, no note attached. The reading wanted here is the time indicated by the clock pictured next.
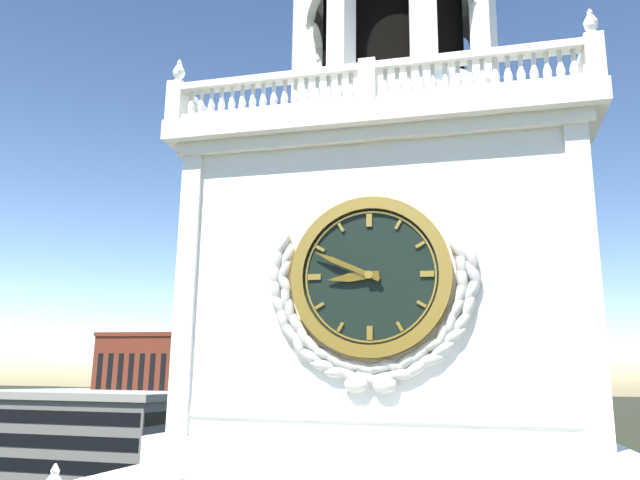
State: 8:49
